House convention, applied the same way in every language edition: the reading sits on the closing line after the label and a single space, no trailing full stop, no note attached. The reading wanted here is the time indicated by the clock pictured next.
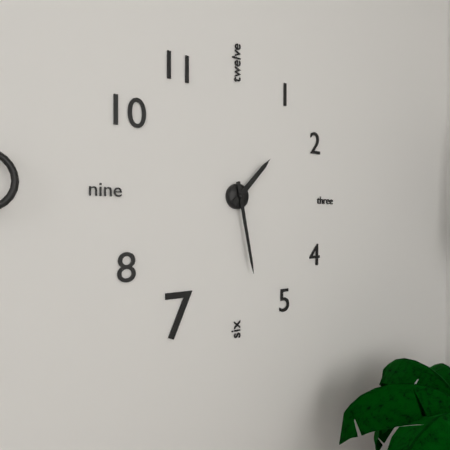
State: 1:28
